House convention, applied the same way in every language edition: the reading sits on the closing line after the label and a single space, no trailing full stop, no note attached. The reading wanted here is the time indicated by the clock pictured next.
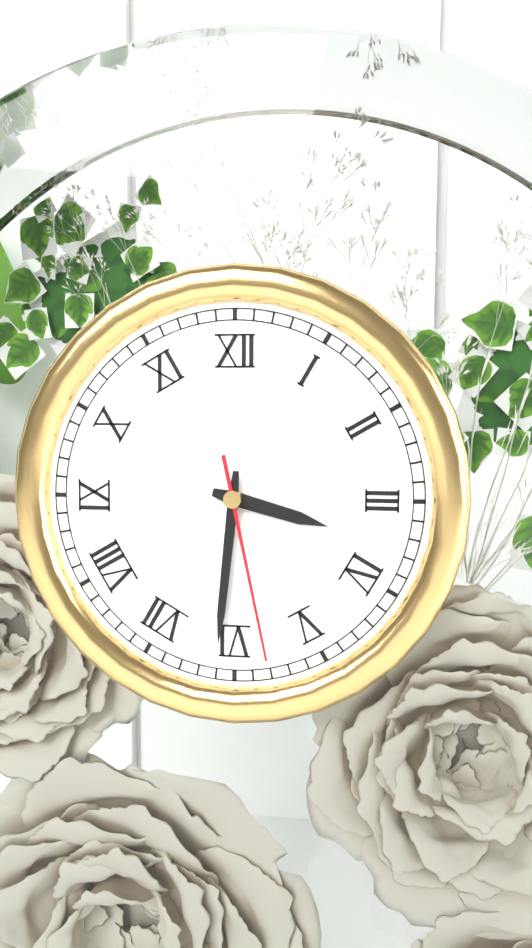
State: 3:31:28
